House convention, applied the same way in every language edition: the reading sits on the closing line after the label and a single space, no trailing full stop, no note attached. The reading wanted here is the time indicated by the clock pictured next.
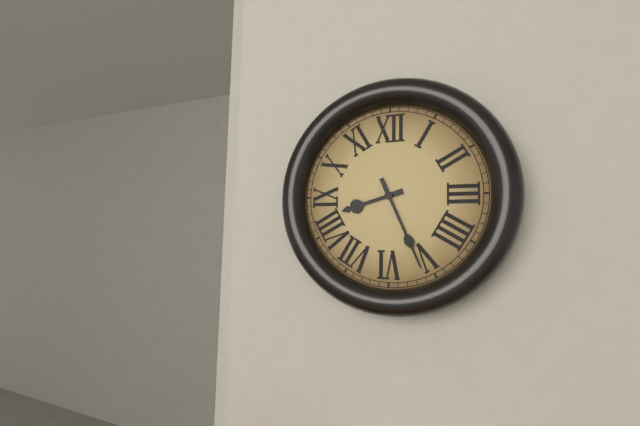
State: 8:26
